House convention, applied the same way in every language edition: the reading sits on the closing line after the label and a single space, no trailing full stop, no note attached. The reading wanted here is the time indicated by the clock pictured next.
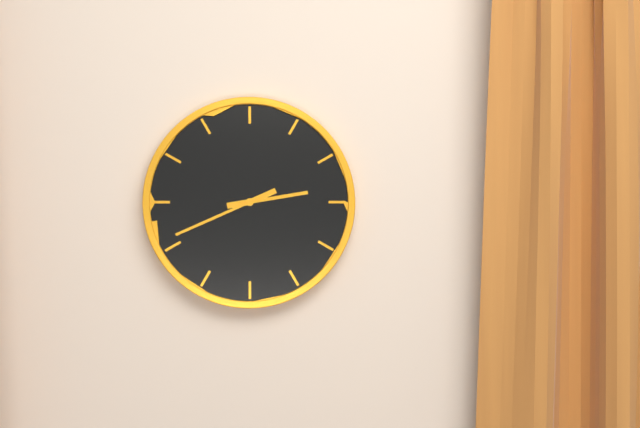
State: 2:41
